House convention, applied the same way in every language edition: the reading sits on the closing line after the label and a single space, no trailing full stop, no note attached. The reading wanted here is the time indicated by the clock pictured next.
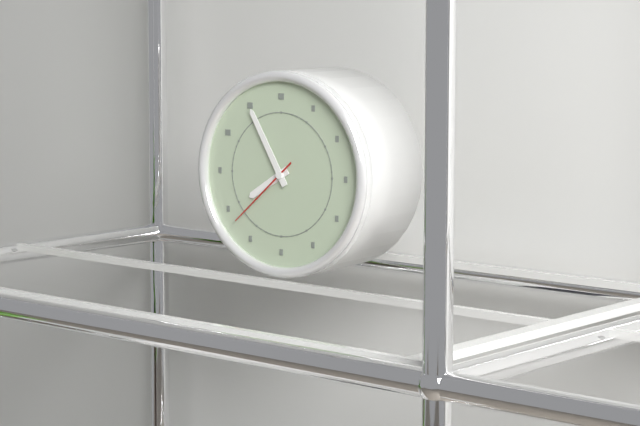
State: 7:55:38
